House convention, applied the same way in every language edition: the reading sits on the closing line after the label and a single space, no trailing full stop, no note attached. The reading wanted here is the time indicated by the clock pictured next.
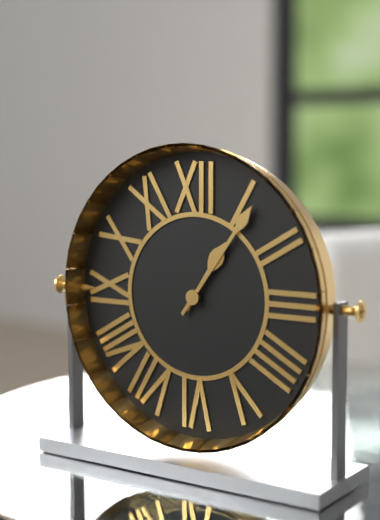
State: 1:06
